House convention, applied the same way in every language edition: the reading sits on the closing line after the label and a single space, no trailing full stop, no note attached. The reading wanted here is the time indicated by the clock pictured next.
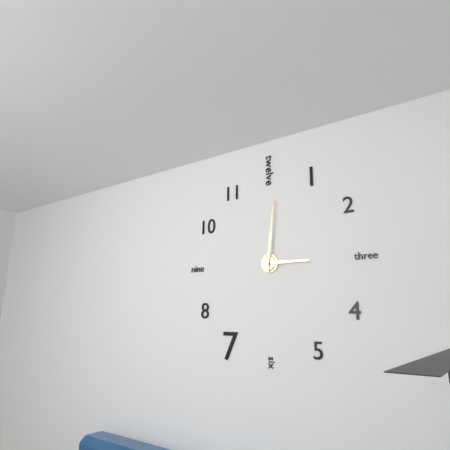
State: 3:01
